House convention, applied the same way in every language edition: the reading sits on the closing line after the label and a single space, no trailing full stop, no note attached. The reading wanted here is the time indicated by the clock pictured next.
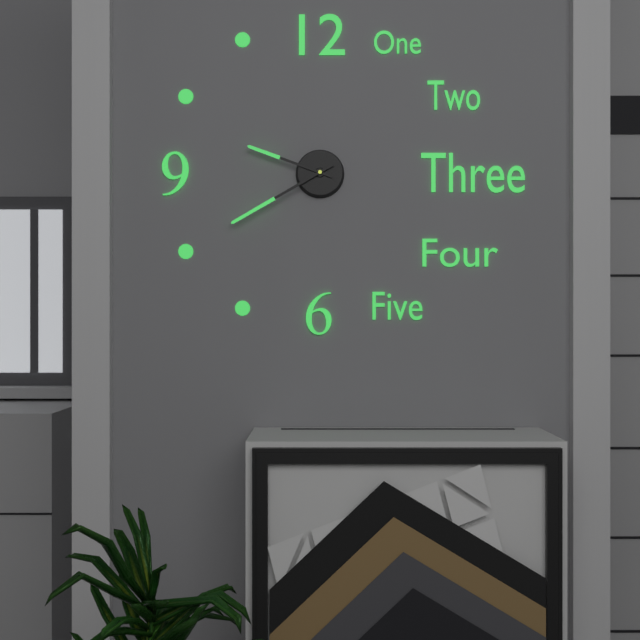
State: 9:40
